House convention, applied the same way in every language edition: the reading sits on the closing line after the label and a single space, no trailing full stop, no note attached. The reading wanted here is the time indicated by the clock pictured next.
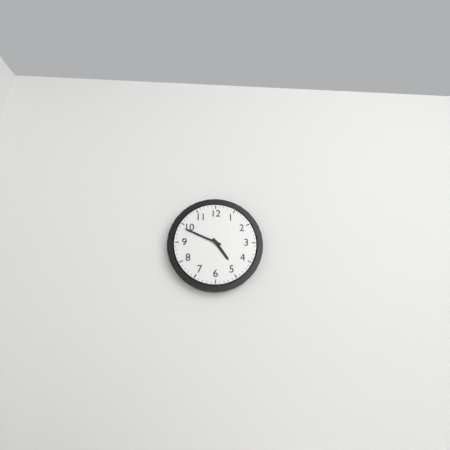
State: 4:49
